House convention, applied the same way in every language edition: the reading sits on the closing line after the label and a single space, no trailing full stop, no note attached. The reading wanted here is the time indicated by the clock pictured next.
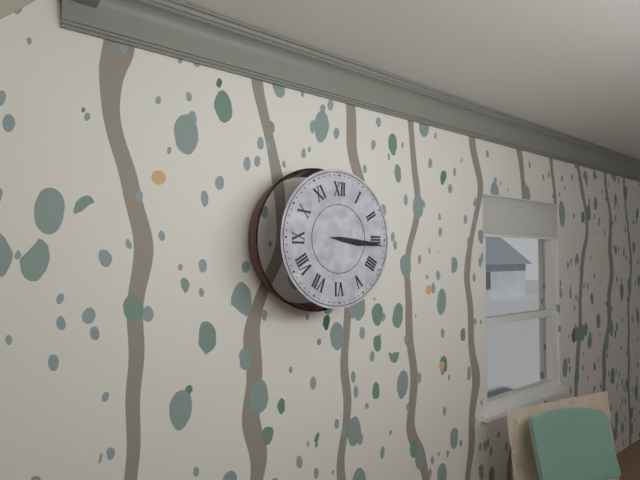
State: 3:16
